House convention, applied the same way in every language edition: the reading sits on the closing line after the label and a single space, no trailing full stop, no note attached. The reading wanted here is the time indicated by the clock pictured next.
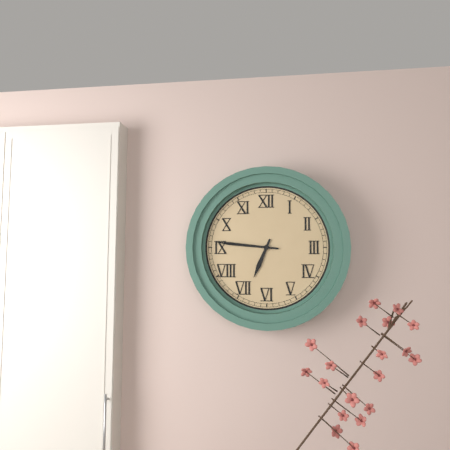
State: 6:46
